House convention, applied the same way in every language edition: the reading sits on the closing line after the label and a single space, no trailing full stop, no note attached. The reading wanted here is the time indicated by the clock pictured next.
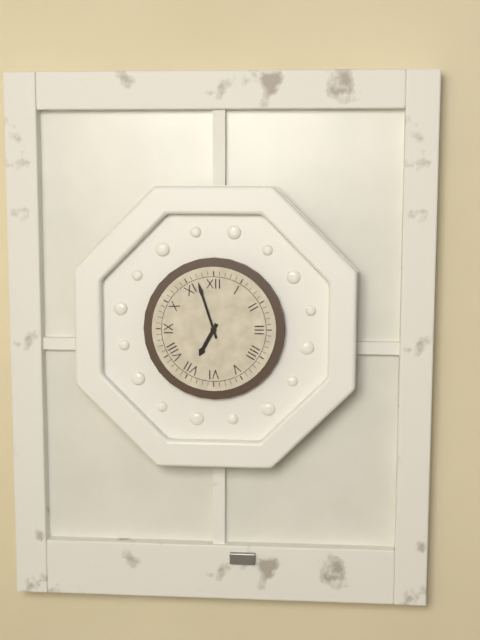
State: 6:57
